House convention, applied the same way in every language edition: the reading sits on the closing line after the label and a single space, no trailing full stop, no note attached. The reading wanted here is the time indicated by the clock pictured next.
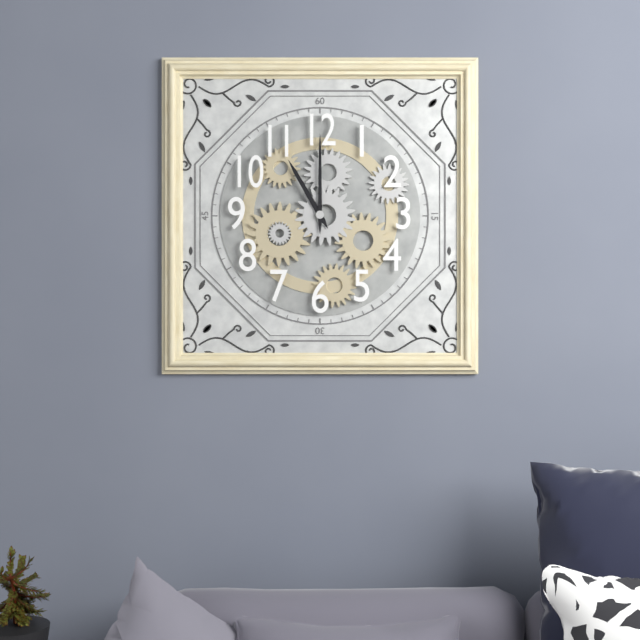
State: 11:00
